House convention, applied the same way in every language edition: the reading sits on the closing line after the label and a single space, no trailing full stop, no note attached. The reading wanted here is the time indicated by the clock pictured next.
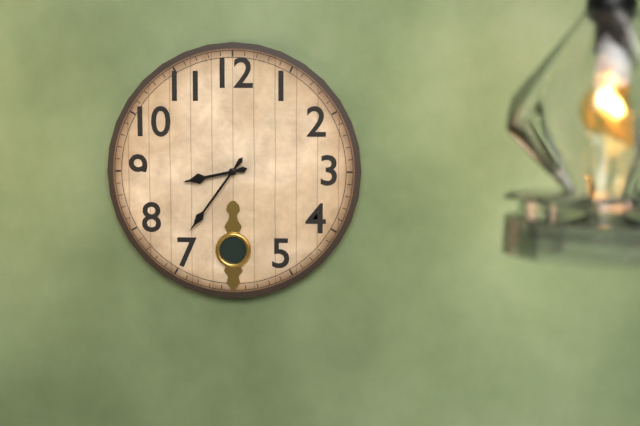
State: 8:36
